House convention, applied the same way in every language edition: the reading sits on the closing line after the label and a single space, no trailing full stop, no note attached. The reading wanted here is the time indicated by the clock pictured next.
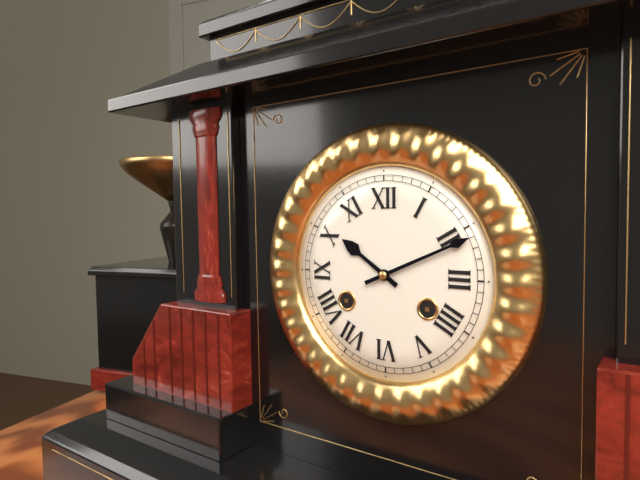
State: 10:11
